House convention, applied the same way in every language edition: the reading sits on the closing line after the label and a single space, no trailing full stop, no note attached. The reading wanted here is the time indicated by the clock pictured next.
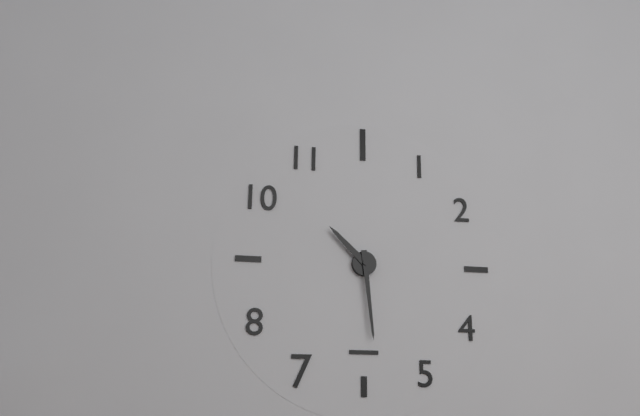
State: 10:29
